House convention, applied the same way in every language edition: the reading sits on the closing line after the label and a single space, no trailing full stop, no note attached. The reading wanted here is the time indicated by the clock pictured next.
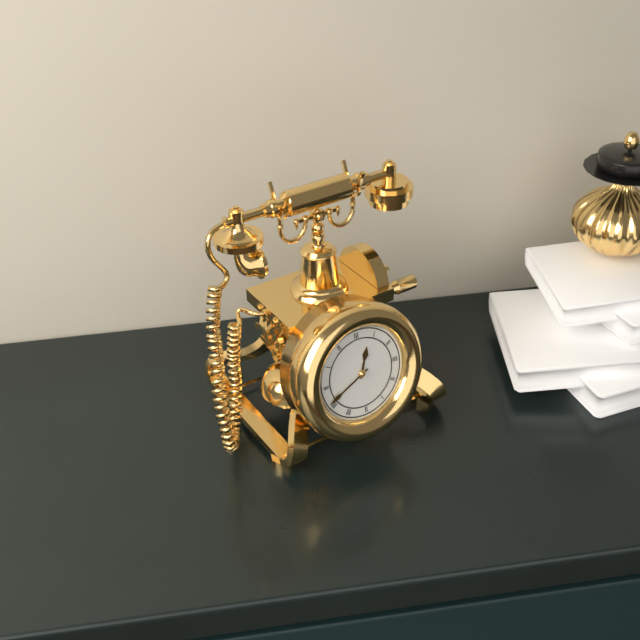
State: 12:41
